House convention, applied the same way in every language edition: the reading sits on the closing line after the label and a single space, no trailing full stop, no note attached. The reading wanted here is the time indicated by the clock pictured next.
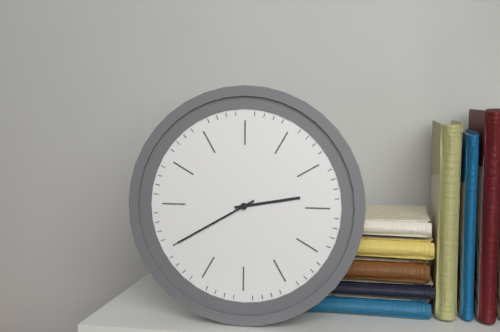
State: 2:40
